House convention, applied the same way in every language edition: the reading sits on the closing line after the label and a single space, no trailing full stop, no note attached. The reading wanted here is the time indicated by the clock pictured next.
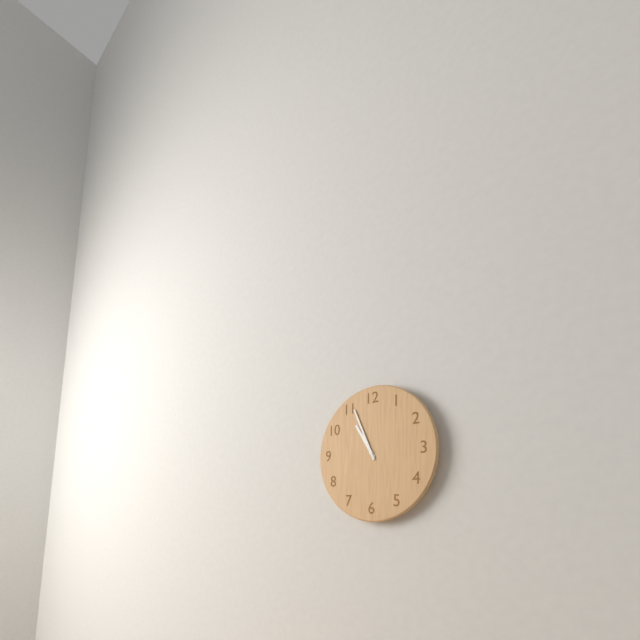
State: 10:56
